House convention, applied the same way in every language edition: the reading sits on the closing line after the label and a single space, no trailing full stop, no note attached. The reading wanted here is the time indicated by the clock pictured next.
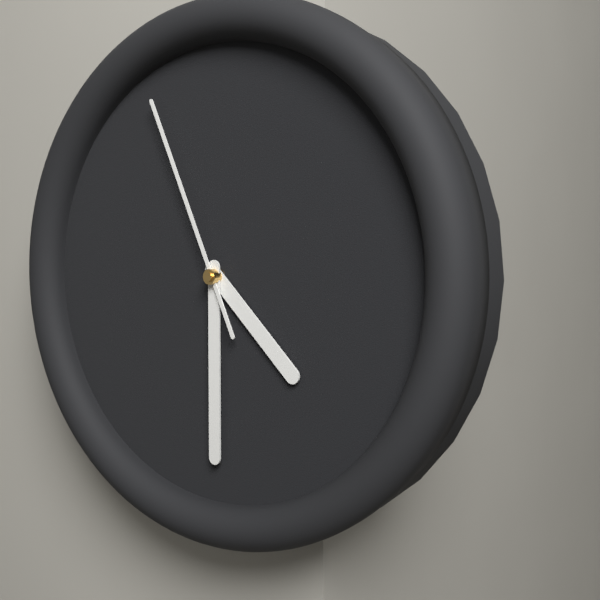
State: 4:30:56
